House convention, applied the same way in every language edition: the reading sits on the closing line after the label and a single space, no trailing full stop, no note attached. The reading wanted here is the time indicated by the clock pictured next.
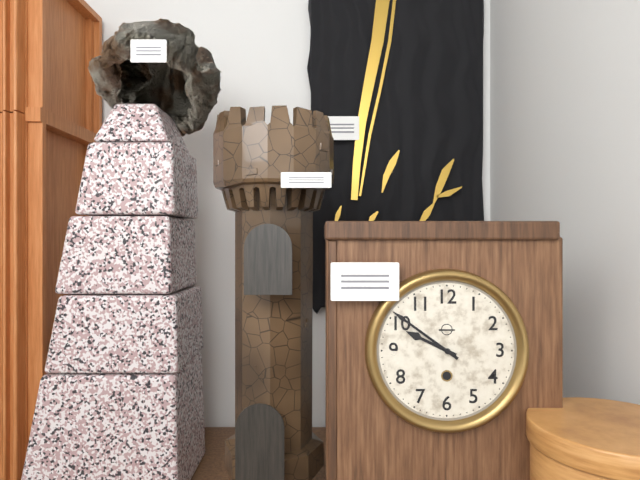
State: 9:51
